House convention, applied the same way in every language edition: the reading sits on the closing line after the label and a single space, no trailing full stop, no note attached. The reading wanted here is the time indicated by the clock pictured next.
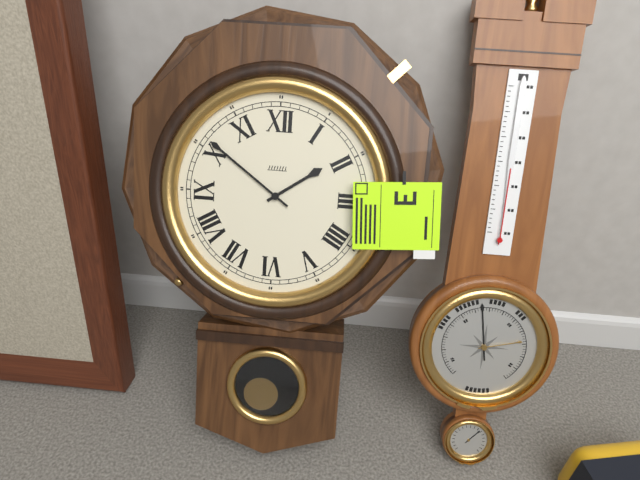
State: 1:51
